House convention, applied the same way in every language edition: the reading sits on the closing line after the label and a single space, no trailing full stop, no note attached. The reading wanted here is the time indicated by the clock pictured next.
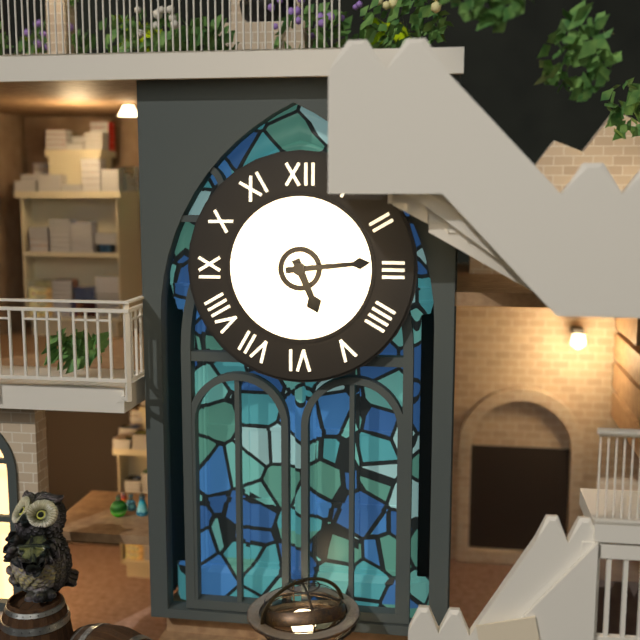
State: 5:14
